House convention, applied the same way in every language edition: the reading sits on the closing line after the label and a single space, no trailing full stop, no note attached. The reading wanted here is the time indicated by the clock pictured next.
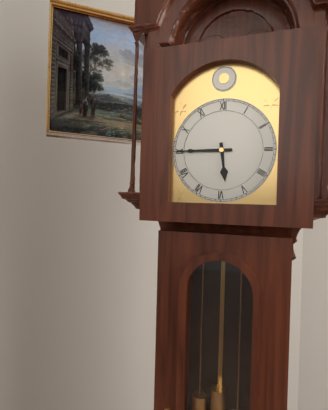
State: 5:45
